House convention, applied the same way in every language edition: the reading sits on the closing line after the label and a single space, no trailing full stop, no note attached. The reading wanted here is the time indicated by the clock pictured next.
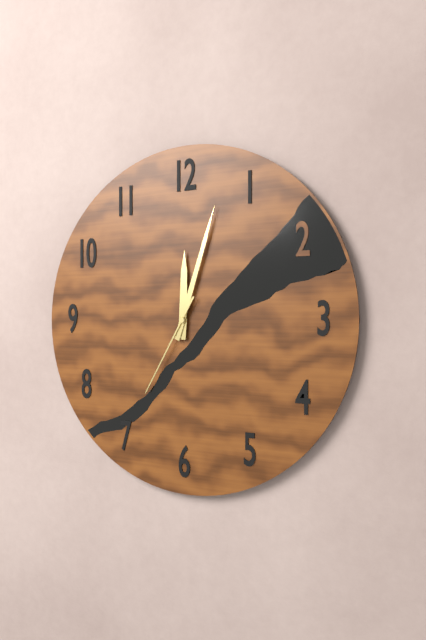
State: 12:03:35
